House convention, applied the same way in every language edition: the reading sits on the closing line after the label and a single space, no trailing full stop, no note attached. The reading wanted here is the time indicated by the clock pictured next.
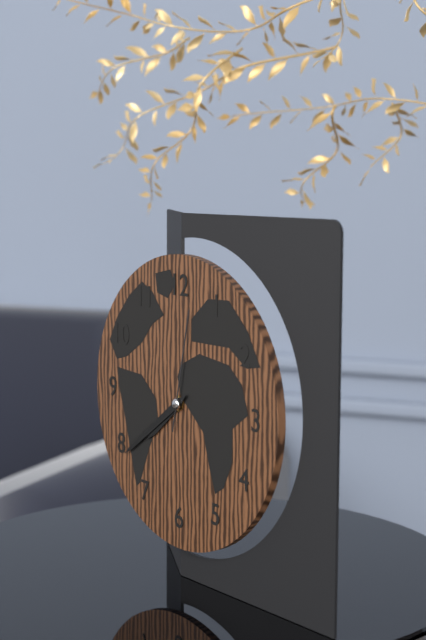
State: 7:39:02
